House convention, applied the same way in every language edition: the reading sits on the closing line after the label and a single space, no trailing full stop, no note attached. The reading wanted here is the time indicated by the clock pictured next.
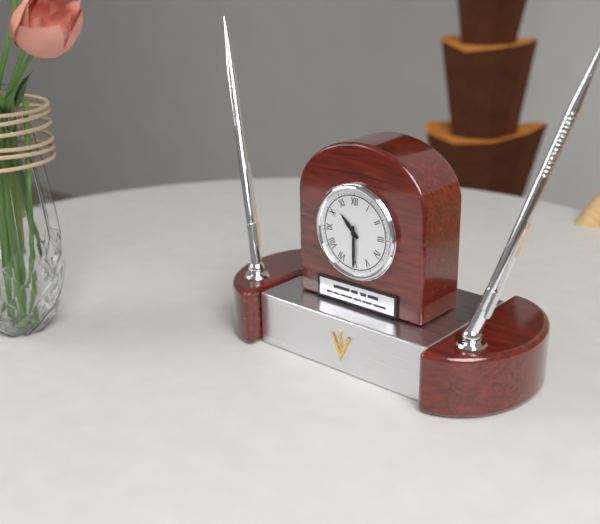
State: 10:30
